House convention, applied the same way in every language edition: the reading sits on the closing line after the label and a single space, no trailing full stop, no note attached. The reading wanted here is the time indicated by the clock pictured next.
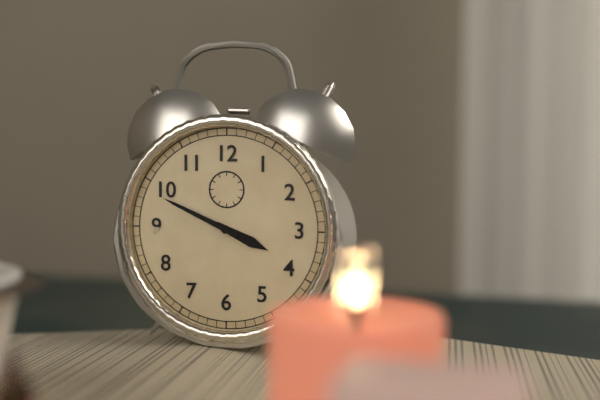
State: 3:49
